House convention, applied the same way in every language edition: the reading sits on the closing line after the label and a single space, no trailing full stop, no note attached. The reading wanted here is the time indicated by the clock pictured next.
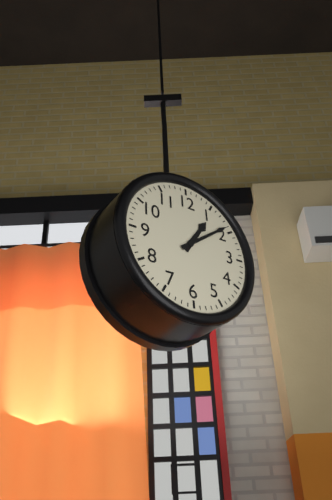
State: 1:09
